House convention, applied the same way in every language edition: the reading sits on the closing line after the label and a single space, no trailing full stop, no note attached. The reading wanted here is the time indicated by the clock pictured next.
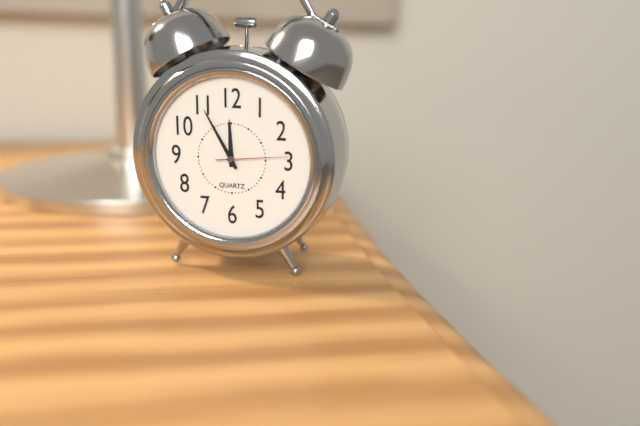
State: 11:55:14
